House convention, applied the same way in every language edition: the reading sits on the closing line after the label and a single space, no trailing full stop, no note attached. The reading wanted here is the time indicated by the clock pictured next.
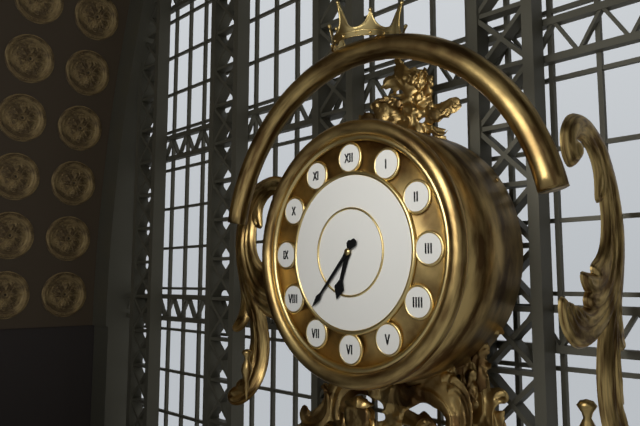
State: 6:37
